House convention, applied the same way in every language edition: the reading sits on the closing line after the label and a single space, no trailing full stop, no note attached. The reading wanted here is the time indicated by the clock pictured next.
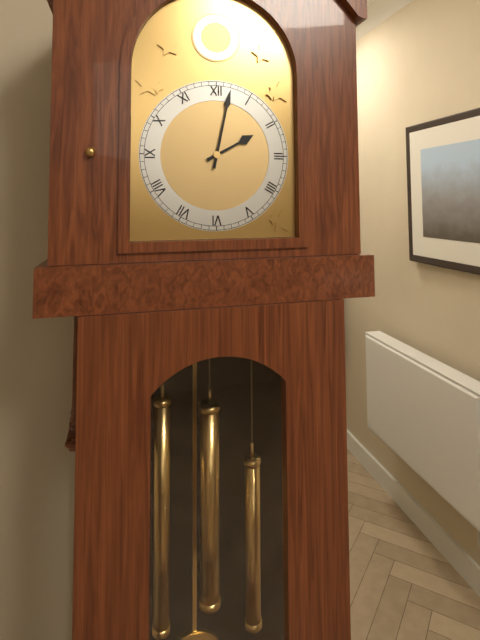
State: 2:02
